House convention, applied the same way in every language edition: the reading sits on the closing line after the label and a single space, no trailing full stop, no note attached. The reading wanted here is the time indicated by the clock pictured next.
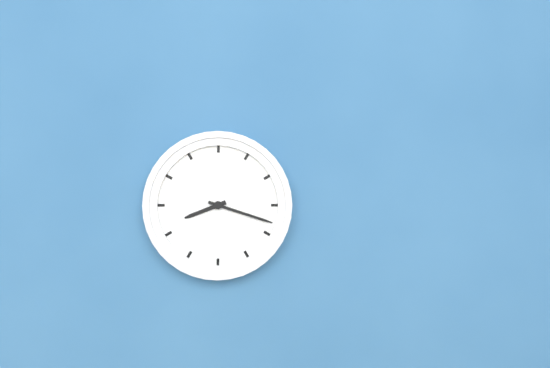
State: 8:18
